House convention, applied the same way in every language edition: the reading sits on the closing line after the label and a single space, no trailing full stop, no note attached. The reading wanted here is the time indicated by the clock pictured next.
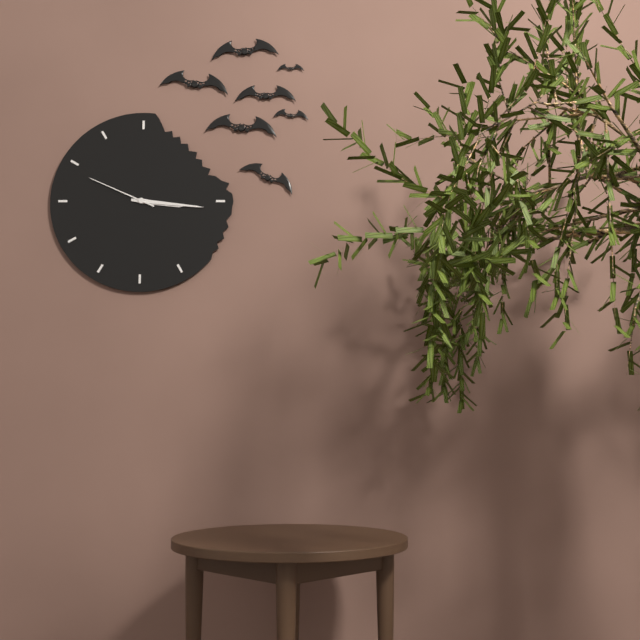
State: 3:16:49
